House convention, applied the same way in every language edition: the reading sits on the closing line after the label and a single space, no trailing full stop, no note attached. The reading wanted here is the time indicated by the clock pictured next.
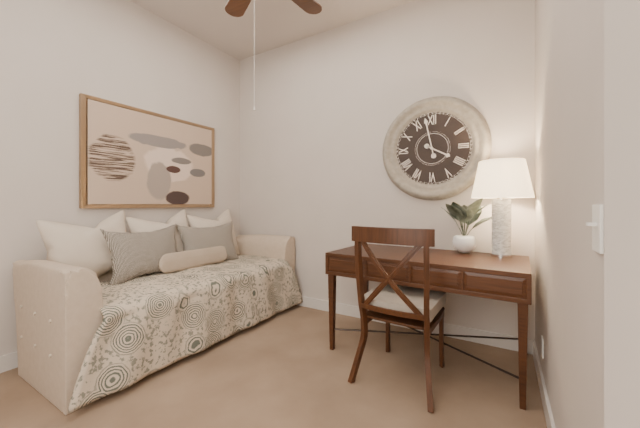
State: 3:58
